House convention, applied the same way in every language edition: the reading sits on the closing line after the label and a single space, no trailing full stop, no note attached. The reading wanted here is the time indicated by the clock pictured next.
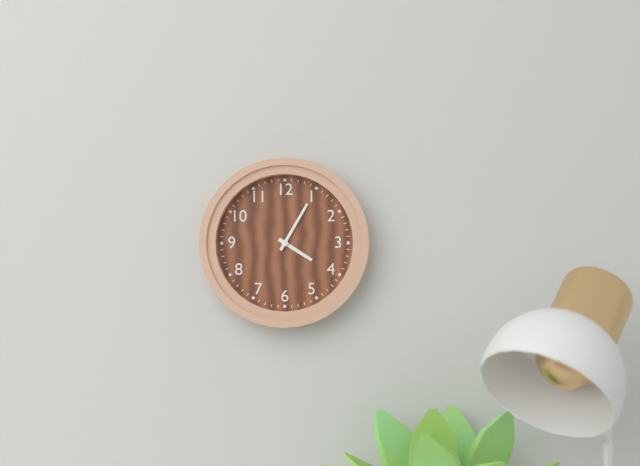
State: 4:05
